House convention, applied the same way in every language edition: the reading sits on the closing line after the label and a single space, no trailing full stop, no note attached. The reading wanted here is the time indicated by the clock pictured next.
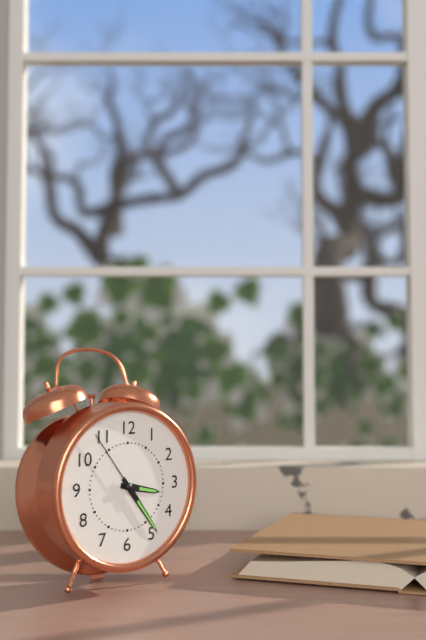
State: 3:24:54
